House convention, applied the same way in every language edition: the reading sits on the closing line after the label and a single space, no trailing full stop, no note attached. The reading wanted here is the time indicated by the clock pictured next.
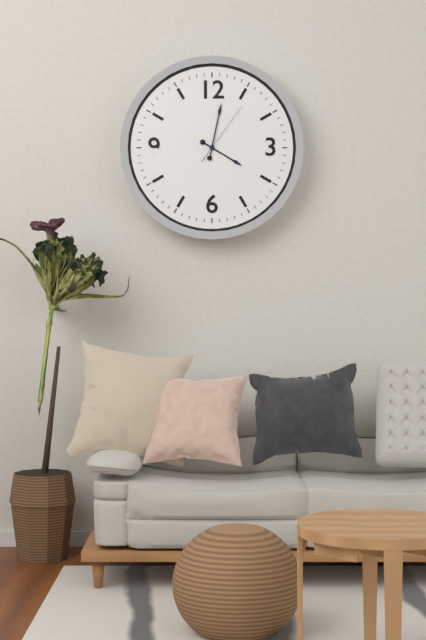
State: 4:02:06
